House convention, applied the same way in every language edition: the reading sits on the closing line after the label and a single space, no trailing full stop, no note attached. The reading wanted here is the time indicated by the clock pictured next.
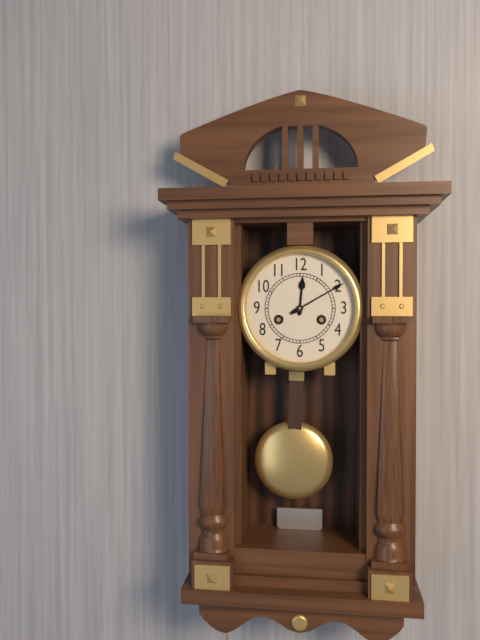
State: 12:10
